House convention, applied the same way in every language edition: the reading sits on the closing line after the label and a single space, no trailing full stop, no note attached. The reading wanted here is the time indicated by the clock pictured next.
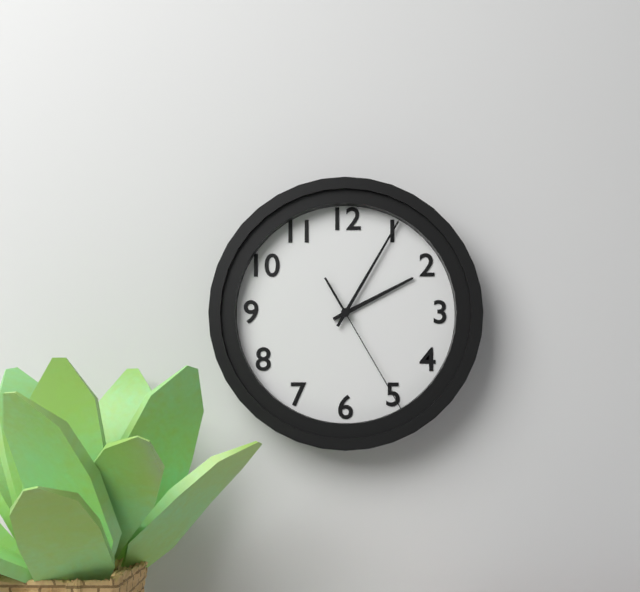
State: 2:05:25
